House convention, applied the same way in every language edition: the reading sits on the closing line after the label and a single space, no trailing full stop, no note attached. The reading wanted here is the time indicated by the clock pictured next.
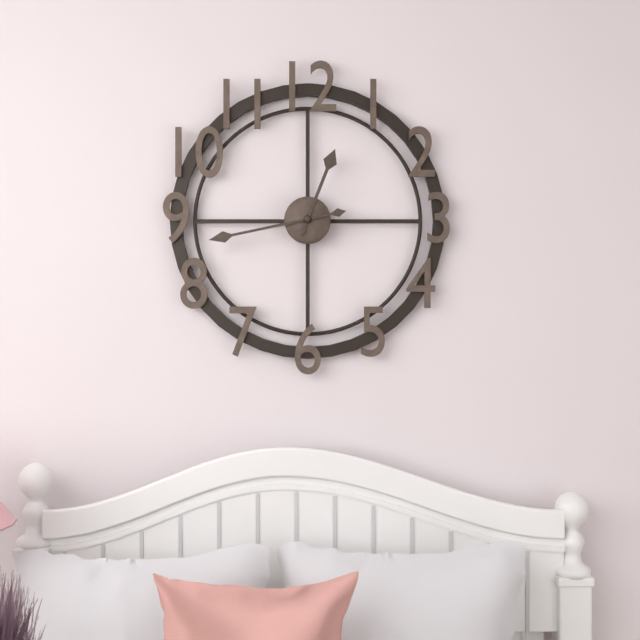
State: 12:43
